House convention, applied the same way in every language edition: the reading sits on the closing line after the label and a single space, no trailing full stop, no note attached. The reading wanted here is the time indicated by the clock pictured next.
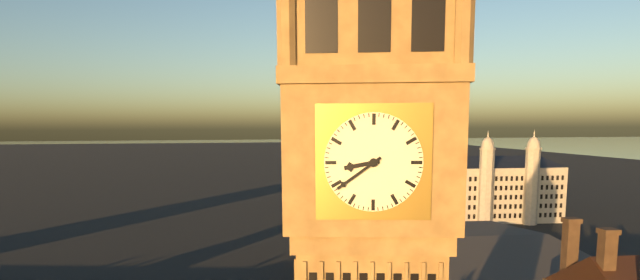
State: 8:39
